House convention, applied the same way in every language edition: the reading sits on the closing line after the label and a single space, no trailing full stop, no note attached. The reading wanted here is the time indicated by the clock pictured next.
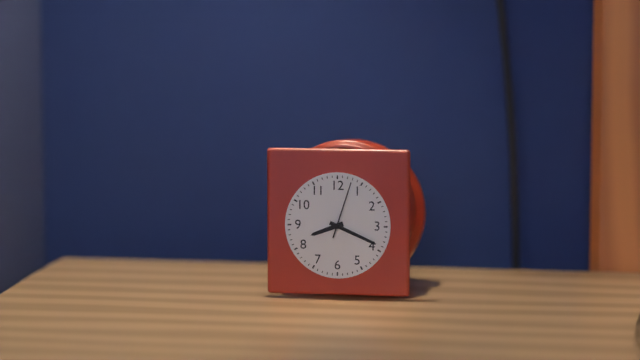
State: 8:19:03
